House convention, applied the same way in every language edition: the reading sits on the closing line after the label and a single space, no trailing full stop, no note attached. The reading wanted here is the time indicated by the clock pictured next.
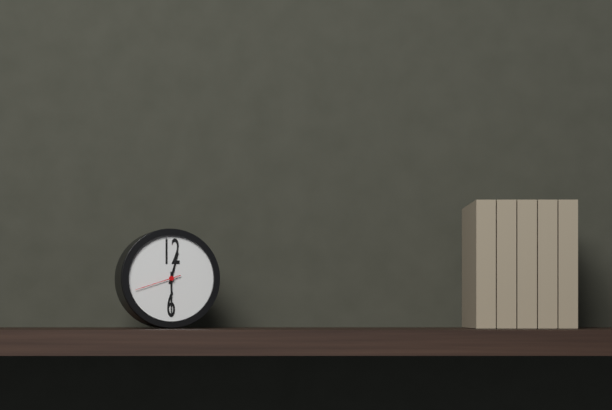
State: 12:30
